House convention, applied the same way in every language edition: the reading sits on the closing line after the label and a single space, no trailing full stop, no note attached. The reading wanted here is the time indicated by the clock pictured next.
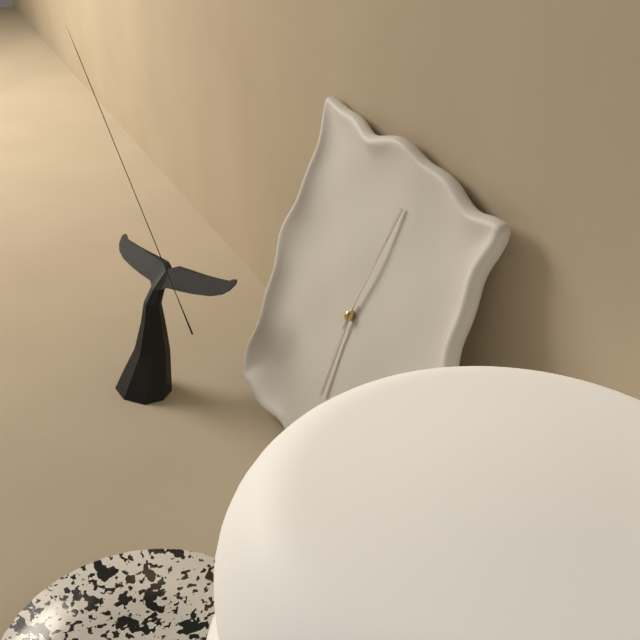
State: 6:02
